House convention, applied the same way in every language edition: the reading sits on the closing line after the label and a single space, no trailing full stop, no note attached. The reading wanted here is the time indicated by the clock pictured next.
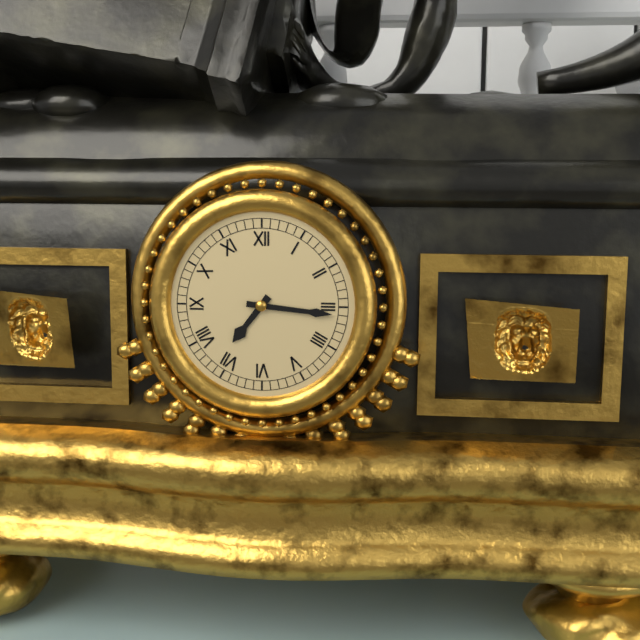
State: 7:16
